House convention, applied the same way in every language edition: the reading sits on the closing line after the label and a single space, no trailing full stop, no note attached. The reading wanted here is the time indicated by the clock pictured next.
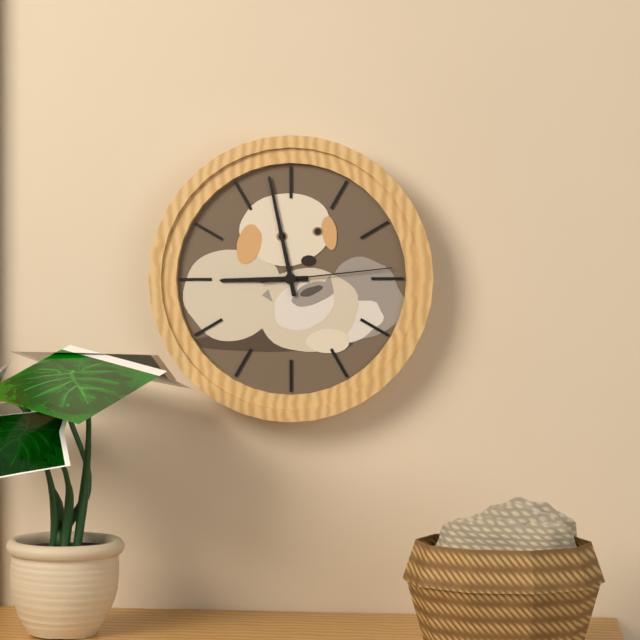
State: 8:58:14
